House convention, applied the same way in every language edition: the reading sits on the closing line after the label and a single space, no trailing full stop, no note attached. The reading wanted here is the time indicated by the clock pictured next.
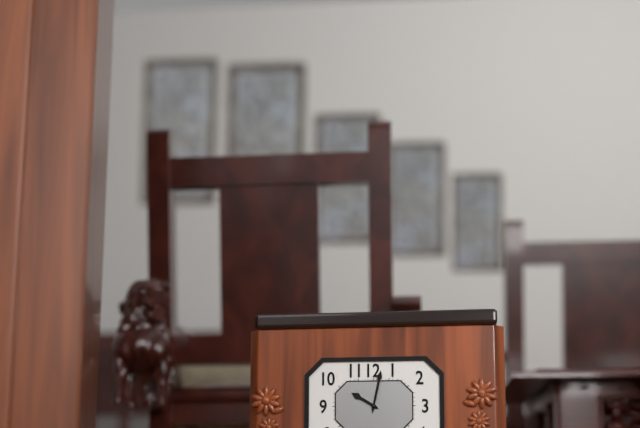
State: 10:02
